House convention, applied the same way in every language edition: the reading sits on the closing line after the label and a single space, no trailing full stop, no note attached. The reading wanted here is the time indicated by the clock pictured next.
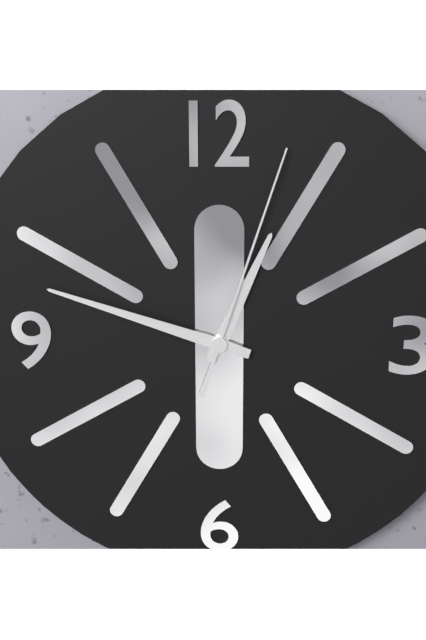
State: 12:48:03
